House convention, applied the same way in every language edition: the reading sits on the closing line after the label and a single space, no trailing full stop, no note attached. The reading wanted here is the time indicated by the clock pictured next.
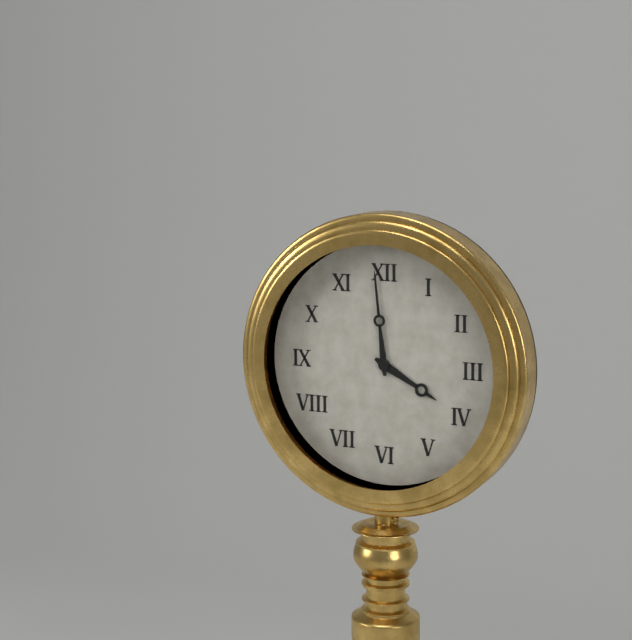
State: 3:59
